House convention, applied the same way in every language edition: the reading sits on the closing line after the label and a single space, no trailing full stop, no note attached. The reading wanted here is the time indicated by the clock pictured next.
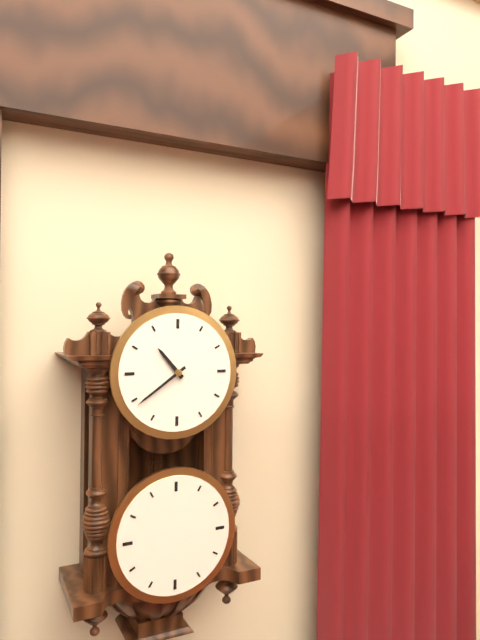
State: 10:39
